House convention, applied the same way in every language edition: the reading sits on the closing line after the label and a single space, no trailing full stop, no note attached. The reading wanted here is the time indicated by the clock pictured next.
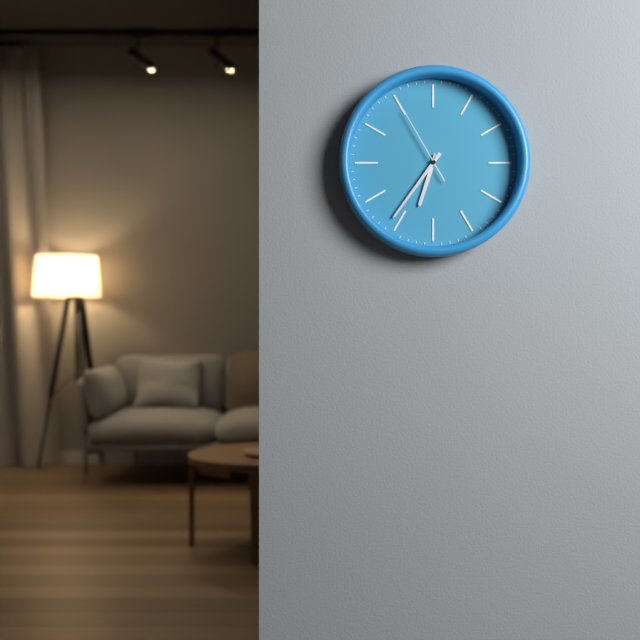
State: 6:36:55
